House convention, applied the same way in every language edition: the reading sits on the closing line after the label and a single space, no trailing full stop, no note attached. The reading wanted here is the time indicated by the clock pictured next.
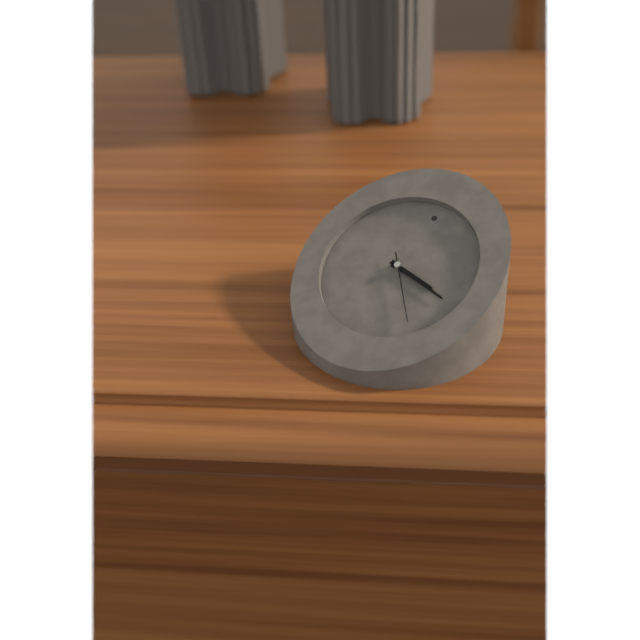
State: 3:17:23
